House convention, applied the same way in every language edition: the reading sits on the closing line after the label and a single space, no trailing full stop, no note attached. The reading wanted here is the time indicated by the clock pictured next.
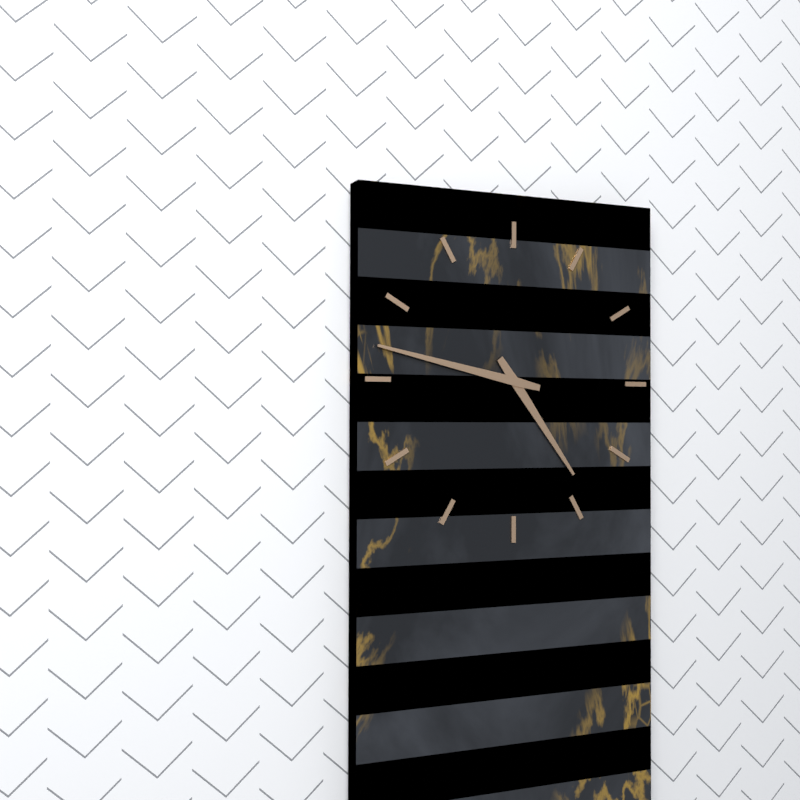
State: 4:47
